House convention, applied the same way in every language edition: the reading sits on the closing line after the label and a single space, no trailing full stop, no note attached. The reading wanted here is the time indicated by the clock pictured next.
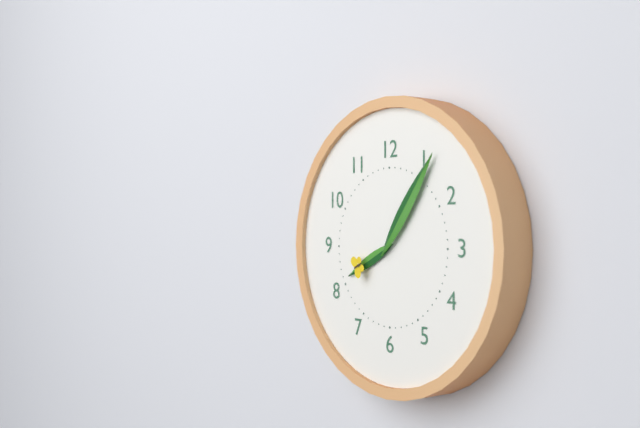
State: 8:06
